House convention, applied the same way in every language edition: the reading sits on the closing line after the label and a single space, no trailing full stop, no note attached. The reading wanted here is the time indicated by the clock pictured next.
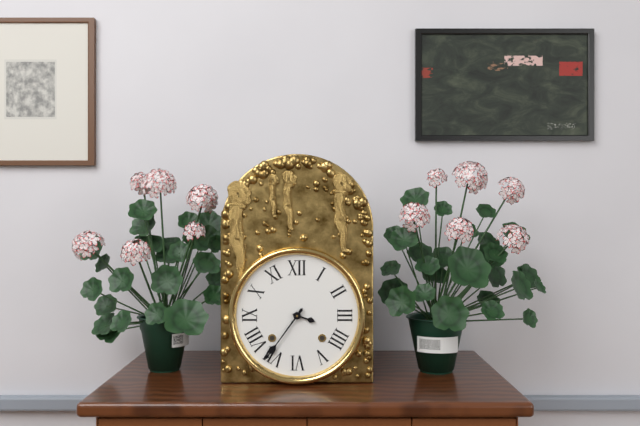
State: 3:36
